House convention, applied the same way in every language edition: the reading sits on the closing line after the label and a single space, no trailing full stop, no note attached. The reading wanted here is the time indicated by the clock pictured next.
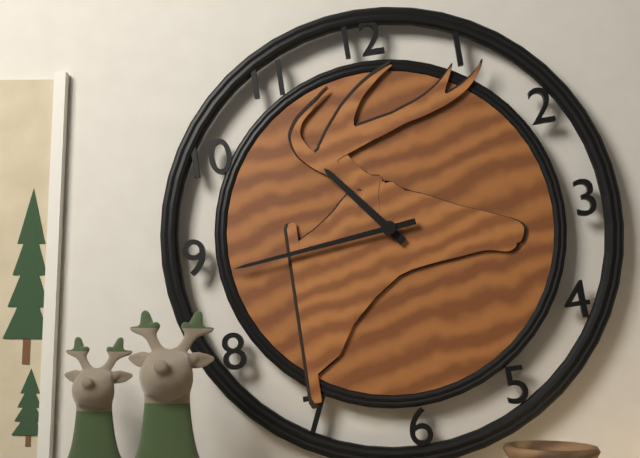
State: 10:44
